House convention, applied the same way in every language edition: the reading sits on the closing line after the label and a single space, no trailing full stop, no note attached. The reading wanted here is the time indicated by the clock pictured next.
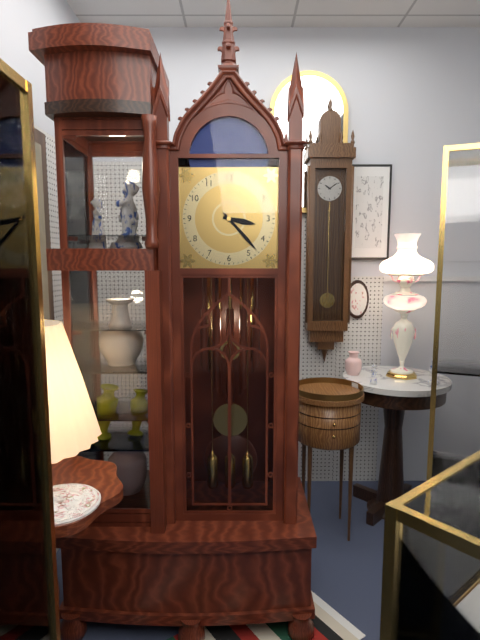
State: 3:23
